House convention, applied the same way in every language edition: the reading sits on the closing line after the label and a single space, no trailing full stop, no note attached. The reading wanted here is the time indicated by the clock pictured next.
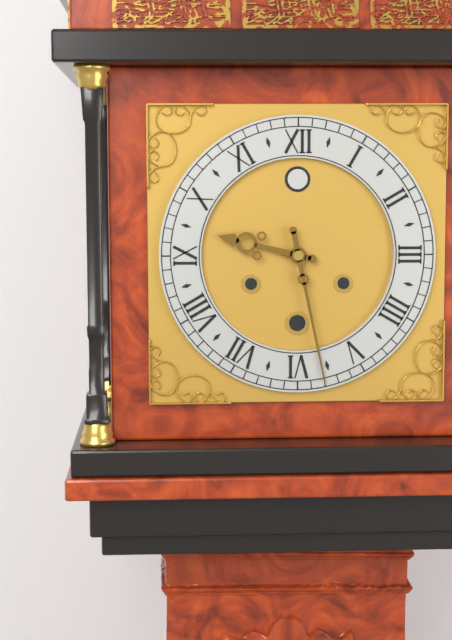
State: 9:28
